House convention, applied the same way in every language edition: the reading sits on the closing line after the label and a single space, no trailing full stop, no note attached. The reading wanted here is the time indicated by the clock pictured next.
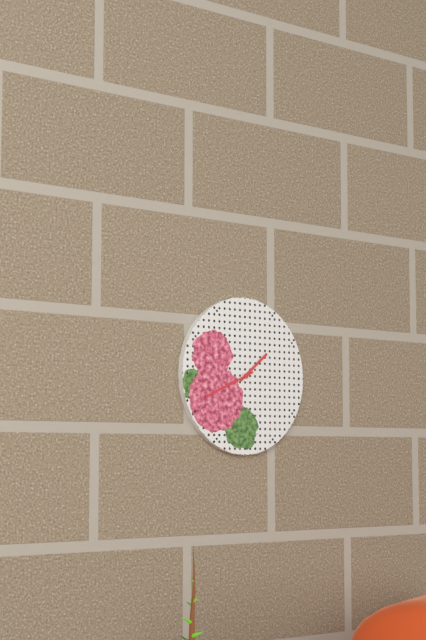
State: 1:41
